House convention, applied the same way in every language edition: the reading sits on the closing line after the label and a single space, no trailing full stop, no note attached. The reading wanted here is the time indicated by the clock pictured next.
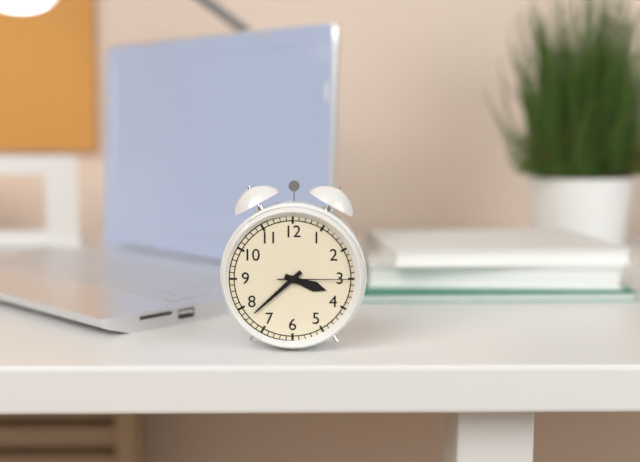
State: 3:38:15
